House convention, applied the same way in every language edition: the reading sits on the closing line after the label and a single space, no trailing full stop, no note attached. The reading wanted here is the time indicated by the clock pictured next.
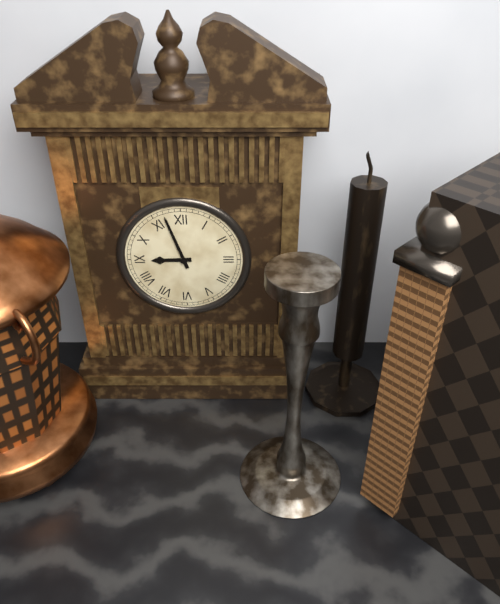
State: 8:57
